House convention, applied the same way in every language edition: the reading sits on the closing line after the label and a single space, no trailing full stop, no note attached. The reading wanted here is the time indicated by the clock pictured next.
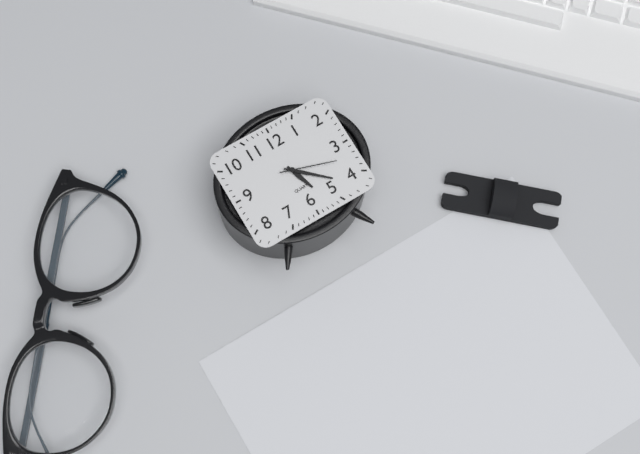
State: 5:22:18
